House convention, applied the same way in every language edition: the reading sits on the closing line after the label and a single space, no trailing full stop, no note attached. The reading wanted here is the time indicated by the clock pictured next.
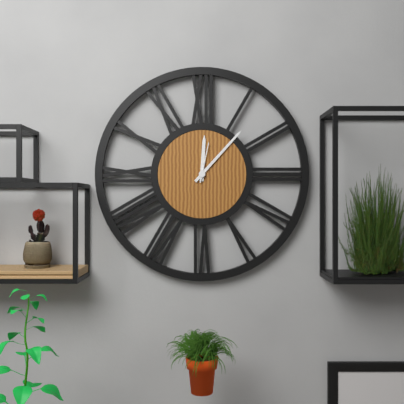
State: 12:07
